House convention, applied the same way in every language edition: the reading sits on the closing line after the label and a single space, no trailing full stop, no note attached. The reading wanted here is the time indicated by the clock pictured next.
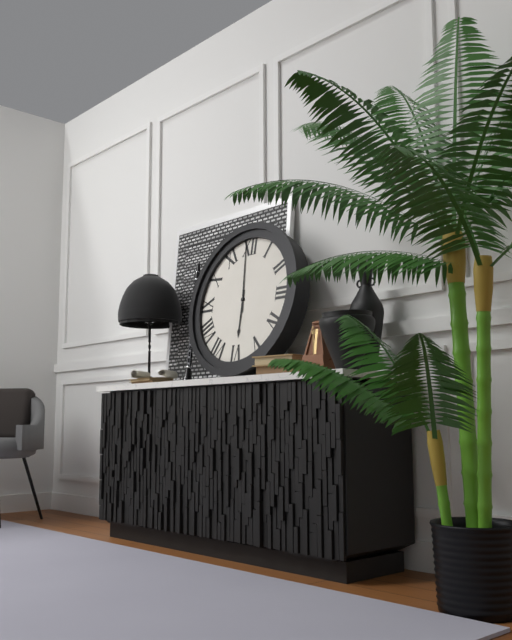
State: 5:59
